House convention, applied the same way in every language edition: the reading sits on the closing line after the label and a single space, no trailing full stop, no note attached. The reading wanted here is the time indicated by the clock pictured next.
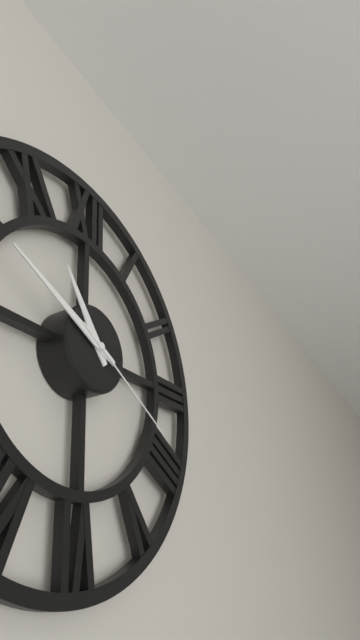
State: 10:49:20
